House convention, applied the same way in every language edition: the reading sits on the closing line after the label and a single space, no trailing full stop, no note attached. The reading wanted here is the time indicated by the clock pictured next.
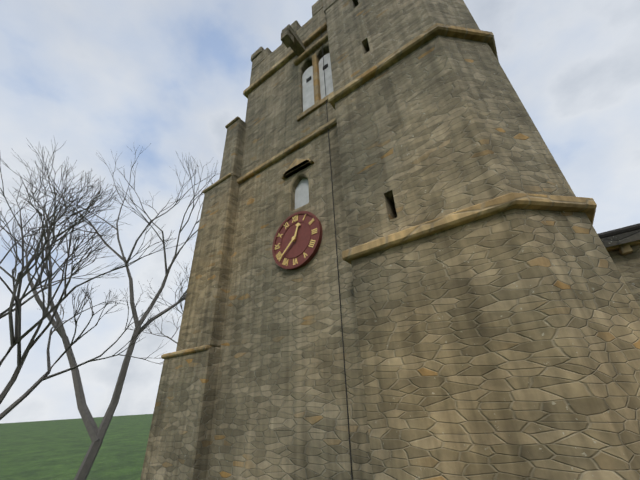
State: 12:38
